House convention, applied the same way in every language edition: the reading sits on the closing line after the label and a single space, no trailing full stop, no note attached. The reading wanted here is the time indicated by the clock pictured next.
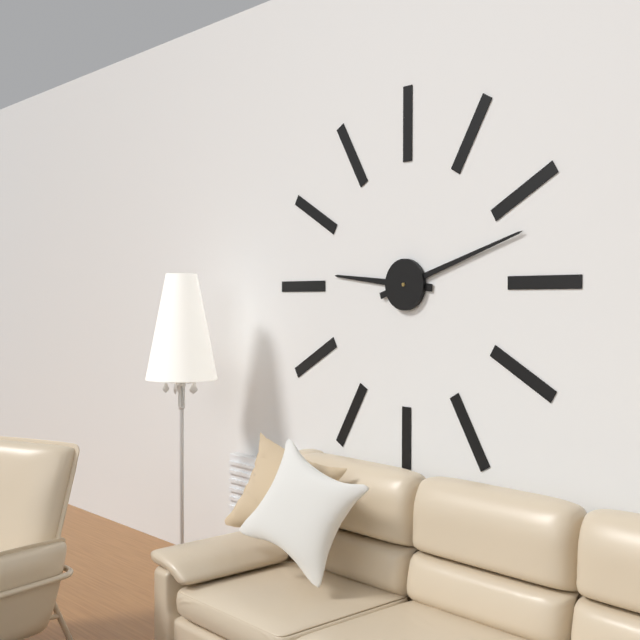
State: 9:12
